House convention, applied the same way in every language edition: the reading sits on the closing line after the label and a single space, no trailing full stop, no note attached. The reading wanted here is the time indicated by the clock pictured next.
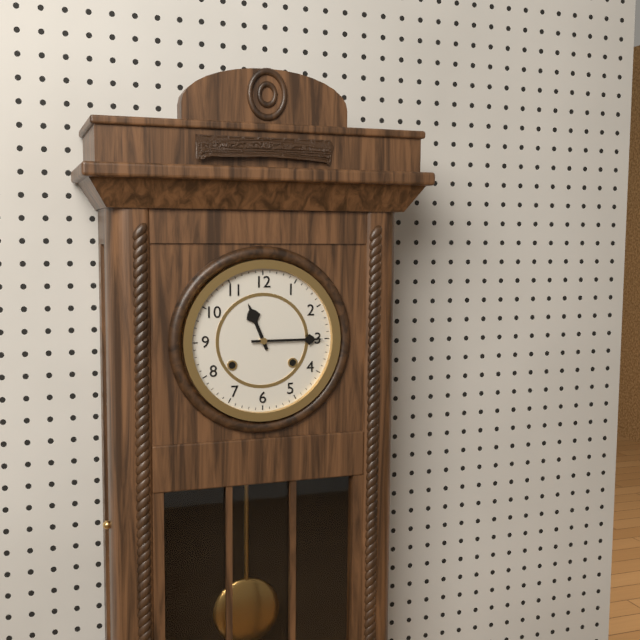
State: 11:15
